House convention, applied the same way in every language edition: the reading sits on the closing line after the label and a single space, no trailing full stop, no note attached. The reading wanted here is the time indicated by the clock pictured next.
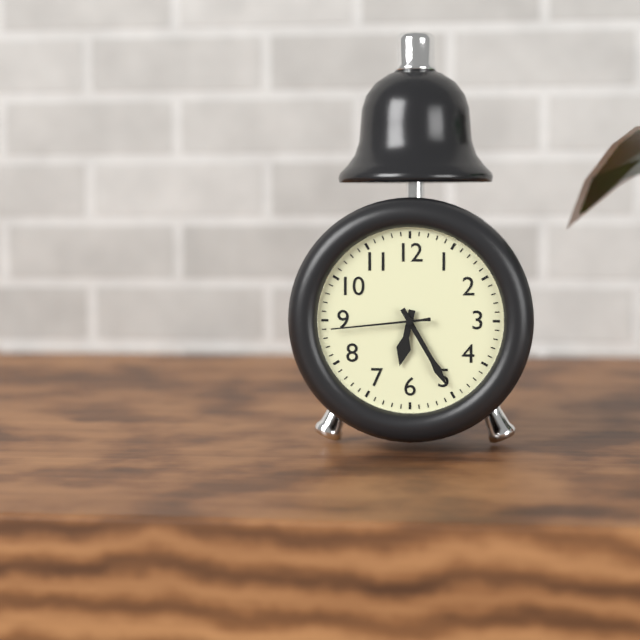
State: 6:25:44
